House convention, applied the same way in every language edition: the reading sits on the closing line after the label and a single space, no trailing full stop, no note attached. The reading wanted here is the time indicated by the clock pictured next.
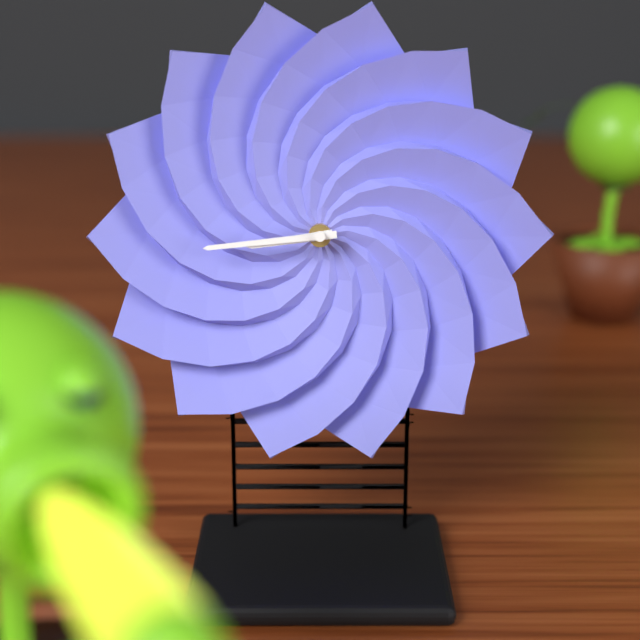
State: 8:44
